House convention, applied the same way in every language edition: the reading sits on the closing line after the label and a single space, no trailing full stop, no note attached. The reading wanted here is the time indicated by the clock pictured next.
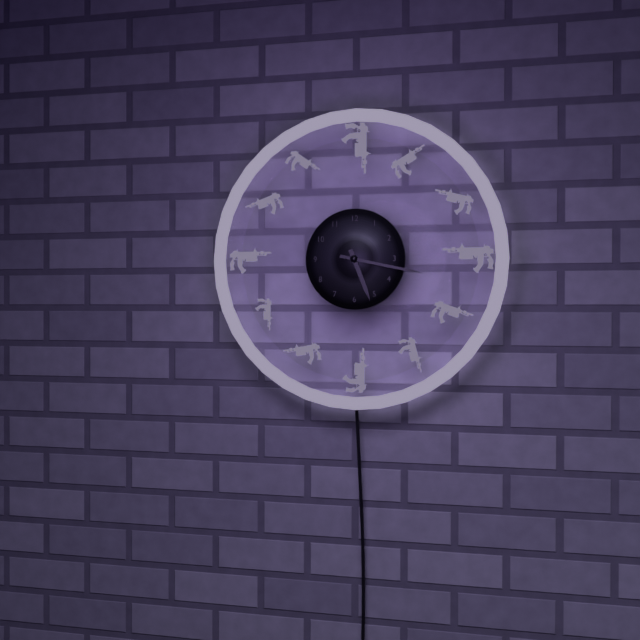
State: 5:17
